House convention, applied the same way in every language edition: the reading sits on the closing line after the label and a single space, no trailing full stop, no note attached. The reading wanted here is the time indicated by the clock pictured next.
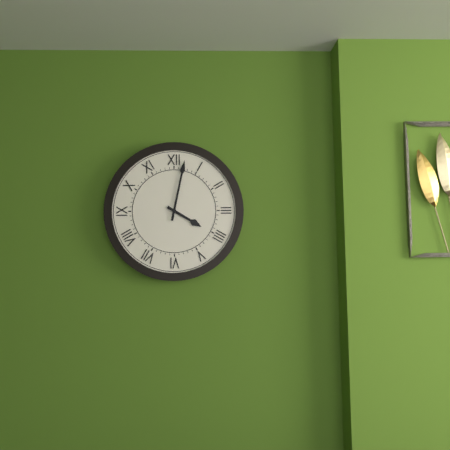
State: 4:02
